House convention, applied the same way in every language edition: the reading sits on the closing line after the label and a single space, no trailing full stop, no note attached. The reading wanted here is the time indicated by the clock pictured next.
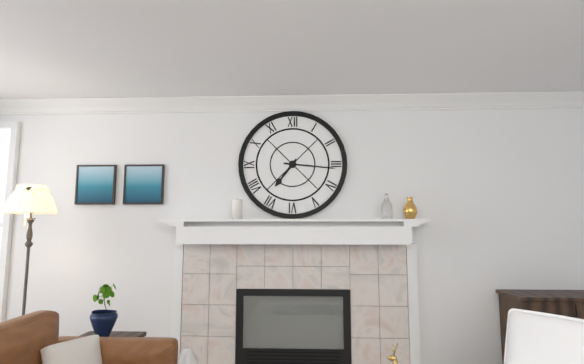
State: 7:16
